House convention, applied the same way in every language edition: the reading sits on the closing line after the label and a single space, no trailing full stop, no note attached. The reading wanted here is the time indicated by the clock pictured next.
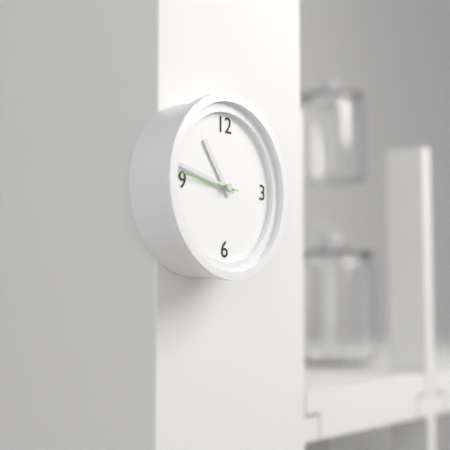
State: 10:47:46
